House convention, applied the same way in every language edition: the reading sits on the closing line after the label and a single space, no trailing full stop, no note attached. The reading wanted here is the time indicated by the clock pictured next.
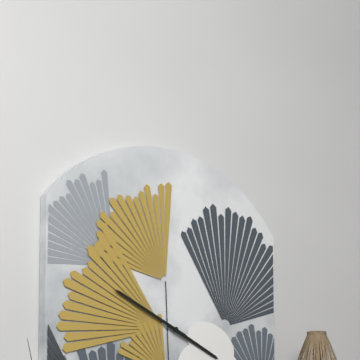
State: 3:49
